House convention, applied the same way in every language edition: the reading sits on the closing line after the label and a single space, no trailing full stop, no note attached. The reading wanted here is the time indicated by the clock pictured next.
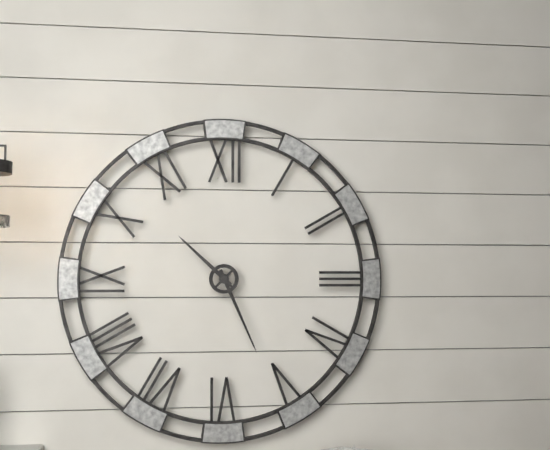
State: 10:26
